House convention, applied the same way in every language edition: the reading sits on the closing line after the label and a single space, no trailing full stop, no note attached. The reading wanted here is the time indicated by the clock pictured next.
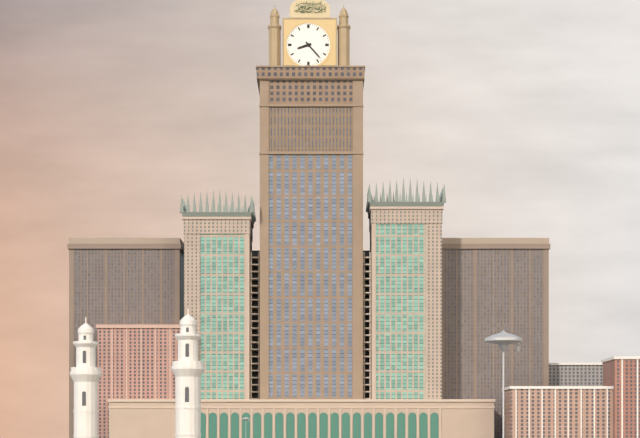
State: 8:23
